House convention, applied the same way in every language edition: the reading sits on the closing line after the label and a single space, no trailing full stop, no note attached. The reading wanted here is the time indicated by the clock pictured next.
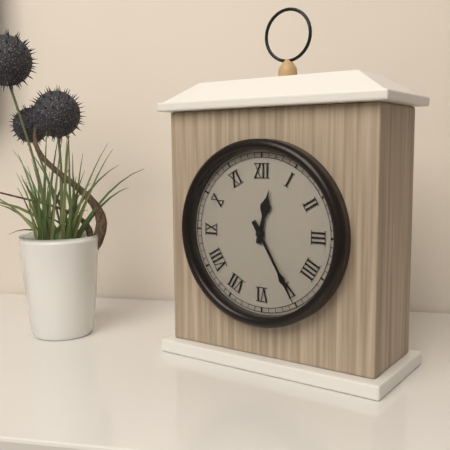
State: 12:25
